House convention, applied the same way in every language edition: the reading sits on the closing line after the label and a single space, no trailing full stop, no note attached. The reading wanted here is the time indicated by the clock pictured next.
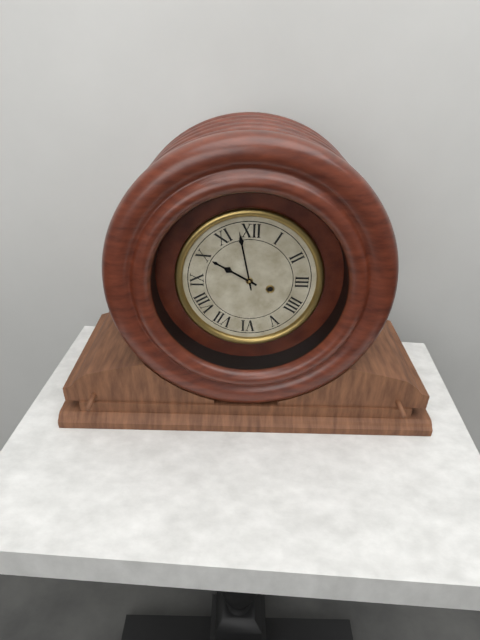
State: 9:58
